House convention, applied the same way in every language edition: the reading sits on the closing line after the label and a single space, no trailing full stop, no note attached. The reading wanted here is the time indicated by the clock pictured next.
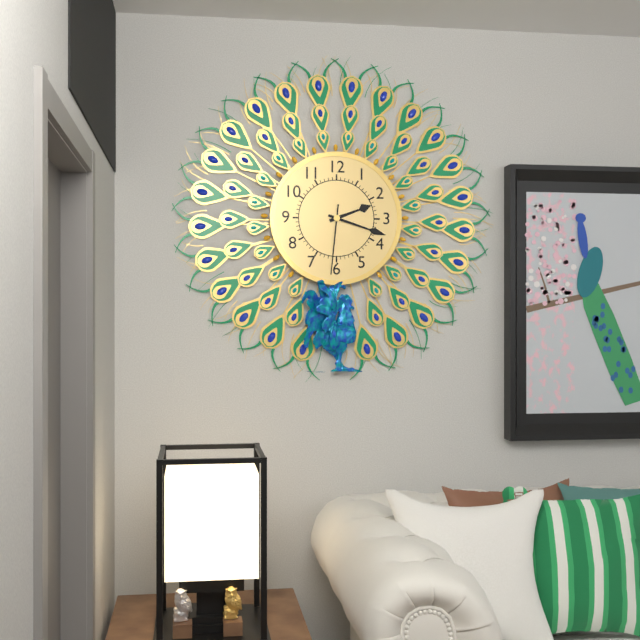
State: 2:18:31
